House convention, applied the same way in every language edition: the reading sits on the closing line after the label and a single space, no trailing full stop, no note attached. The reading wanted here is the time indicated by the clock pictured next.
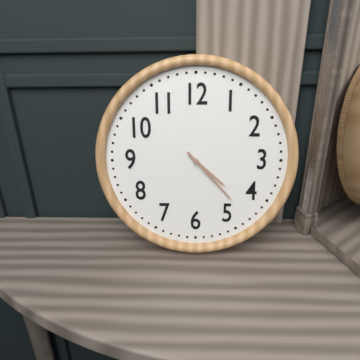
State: 4:23
